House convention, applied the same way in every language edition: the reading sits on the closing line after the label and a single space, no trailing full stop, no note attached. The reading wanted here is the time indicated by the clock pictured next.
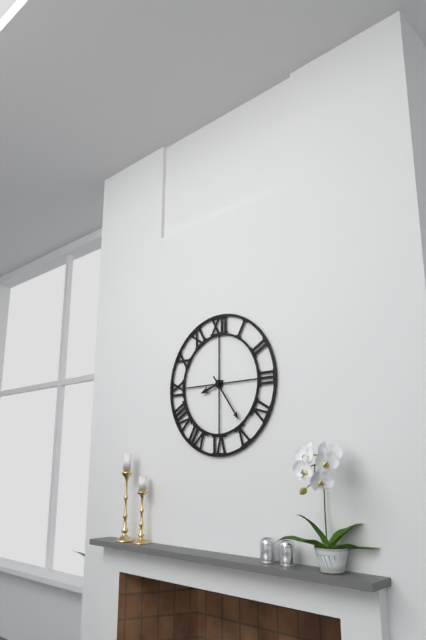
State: 8:24
